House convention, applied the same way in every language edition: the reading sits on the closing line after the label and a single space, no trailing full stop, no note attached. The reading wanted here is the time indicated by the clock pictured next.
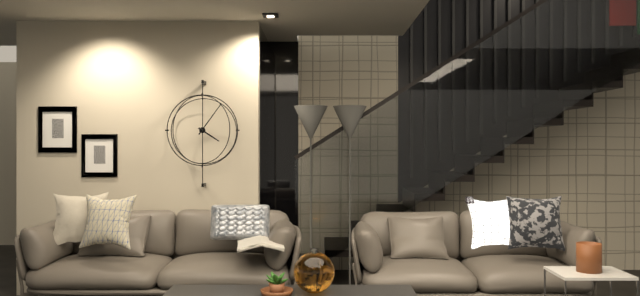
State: 4:06
